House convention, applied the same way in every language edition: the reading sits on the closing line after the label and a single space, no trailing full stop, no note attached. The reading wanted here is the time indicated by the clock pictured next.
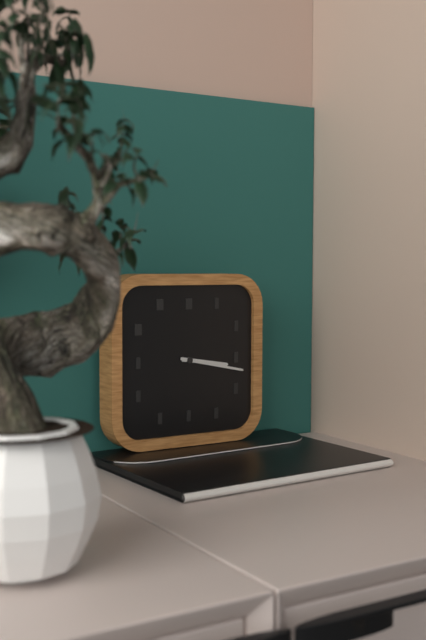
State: 3:17
